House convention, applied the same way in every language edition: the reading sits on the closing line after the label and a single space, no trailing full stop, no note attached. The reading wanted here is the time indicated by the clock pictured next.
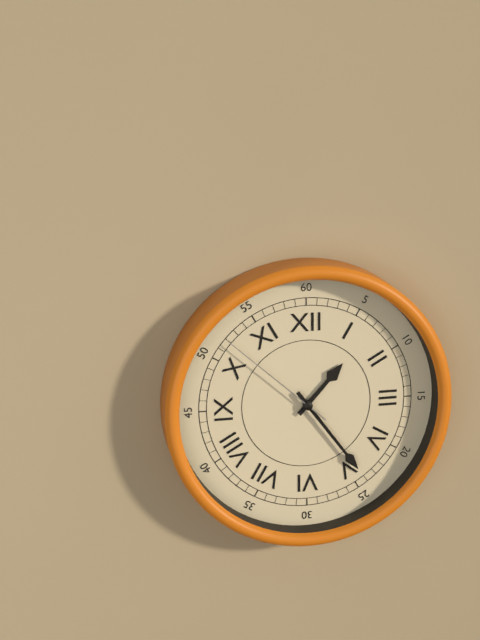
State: 1:24:52
